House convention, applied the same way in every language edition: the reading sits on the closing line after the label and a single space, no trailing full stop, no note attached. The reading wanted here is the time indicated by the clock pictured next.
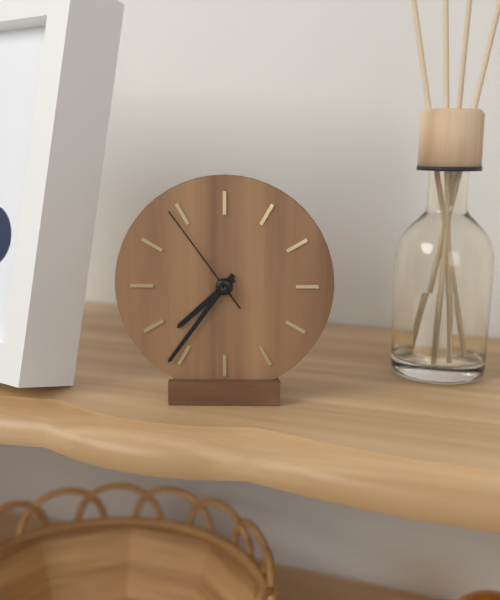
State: 7:36:54
